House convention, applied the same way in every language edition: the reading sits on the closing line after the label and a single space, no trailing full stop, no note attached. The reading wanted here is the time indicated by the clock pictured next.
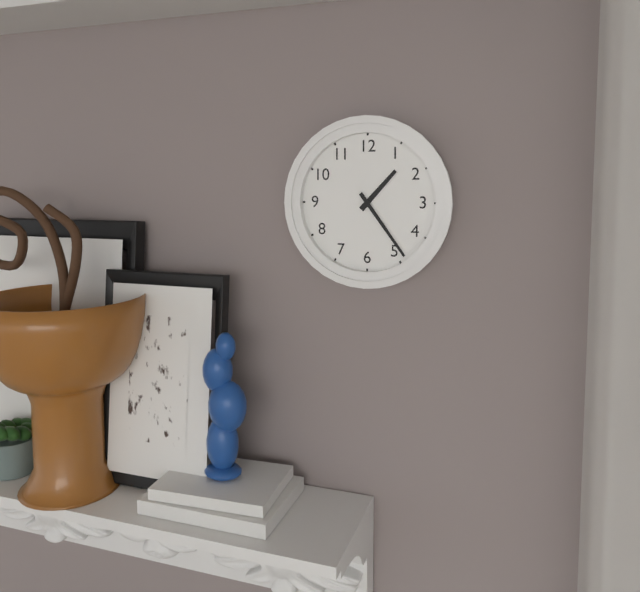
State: 1:24
